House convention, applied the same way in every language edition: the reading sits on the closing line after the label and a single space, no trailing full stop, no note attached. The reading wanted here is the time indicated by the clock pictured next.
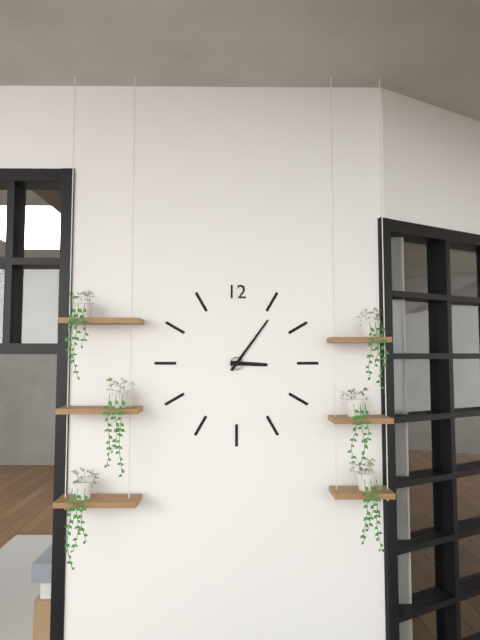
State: 3:06
